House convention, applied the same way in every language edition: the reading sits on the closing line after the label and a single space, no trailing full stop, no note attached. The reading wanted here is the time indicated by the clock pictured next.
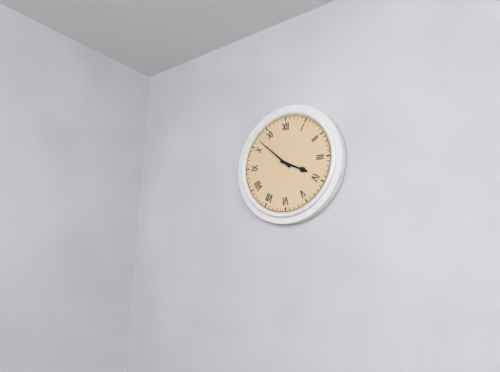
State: 3:52
